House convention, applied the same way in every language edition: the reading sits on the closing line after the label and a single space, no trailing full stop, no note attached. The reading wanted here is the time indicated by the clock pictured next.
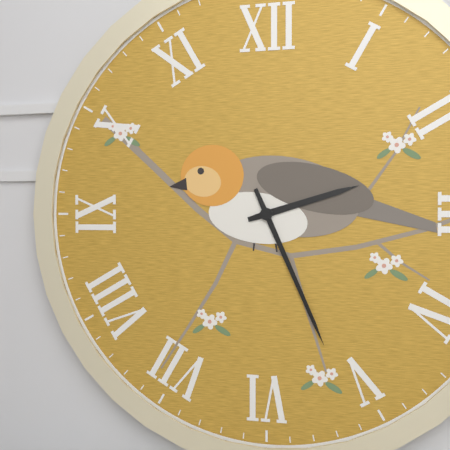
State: 2:26
